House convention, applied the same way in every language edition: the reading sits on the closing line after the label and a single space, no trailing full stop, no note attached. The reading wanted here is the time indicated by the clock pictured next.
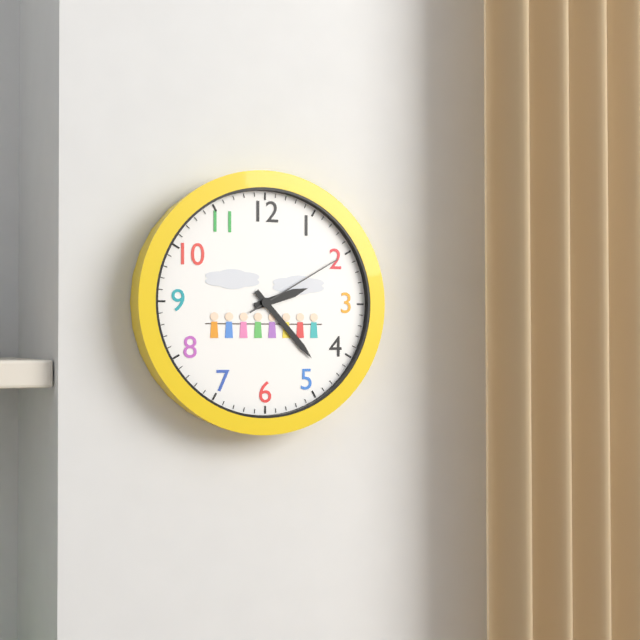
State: 2:23:10
